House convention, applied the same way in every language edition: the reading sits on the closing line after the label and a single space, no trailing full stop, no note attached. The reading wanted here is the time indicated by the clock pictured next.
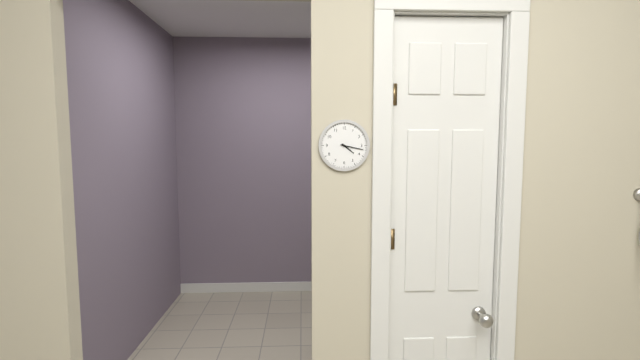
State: 4:17
